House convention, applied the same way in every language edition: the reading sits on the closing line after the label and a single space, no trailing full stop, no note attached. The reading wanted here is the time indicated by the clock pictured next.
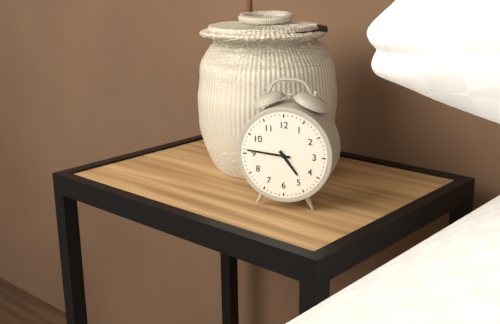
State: 4:46
